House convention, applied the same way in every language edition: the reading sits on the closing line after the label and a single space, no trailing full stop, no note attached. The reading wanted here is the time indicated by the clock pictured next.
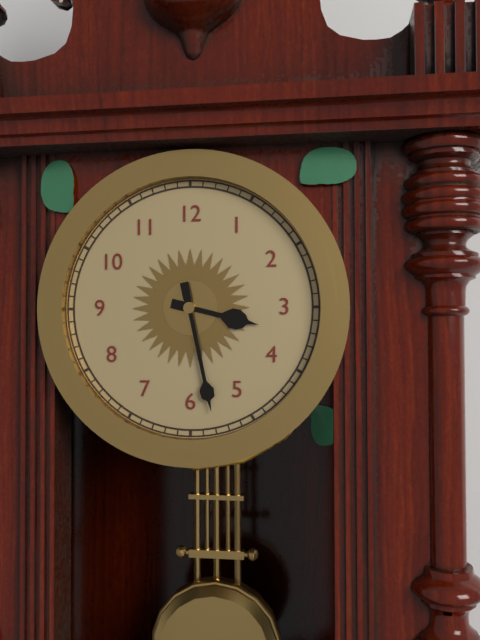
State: 3:28
